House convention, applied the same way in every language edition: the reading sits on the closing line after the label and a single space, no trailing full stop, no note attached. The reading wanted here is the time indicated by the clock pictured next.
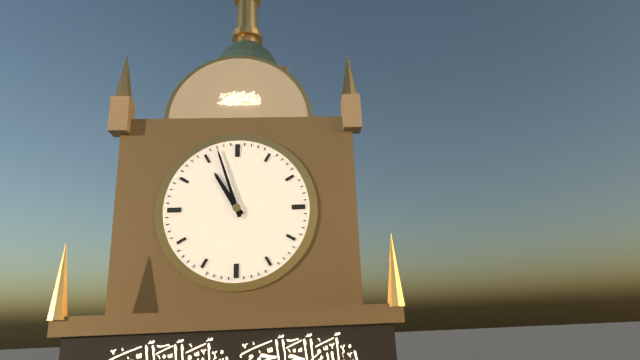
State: 10:57
